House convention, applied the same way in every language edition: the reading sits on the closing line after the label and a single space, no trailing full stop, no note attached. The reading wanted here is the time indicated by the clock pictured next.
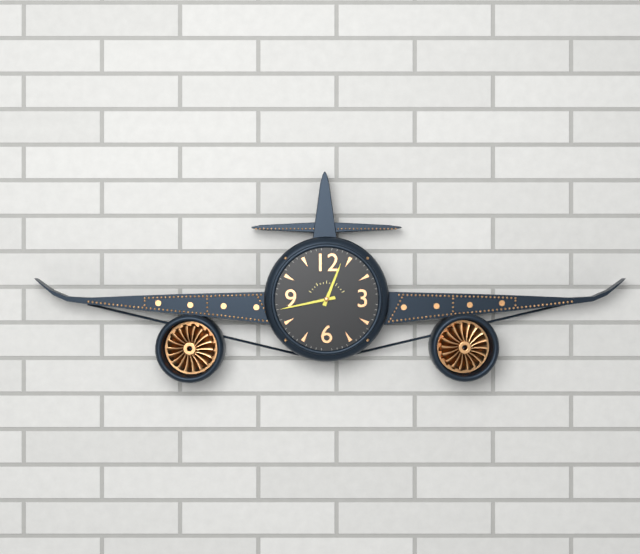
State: 12:43
